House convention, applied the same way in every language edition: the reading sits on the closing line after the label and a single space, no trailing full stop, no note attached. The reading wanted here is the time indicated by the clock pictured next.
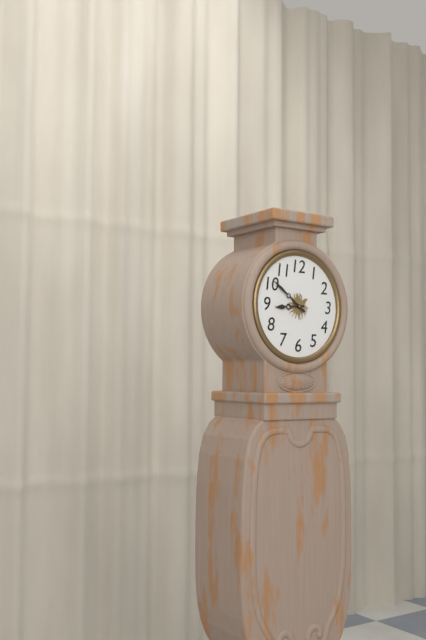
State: 8:51
